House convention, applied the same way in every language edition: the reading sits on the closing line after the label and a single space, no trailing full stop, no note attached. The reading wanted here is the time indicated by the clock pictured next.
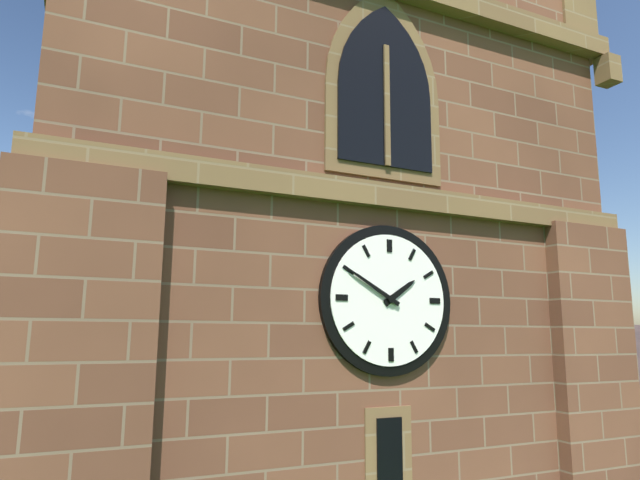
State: 1:50
